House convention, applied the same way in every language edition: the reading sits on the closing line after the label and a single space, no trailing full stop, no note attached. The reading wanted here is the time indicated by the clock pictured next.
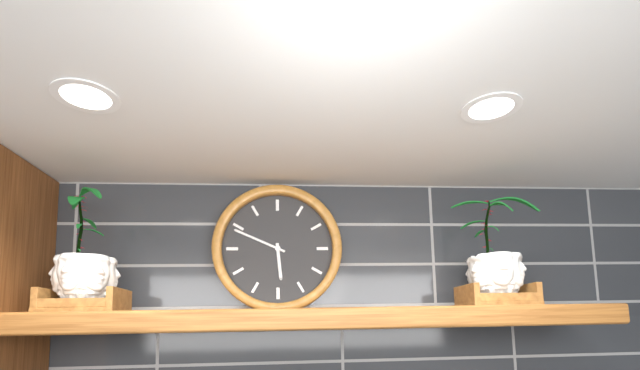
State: 5:49
